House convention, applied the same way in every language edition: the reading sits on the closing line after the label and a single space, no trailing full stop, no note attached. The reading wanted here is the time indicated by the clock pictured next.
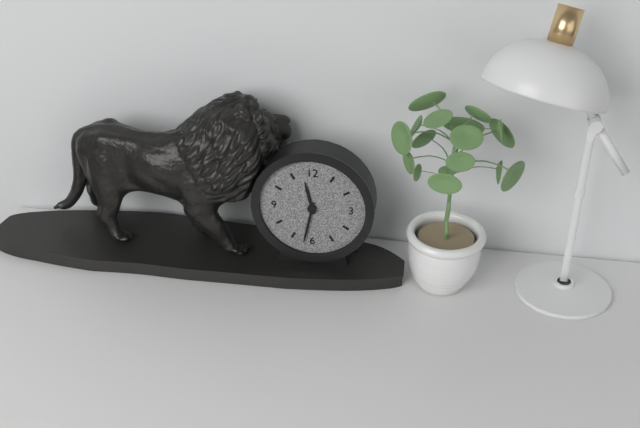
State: 11:32
